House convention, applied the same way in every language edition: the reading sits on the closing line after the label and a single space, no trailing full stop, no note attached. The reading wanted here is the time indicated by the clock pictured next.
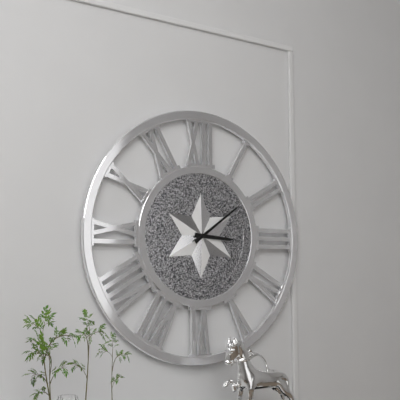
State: 3:09
